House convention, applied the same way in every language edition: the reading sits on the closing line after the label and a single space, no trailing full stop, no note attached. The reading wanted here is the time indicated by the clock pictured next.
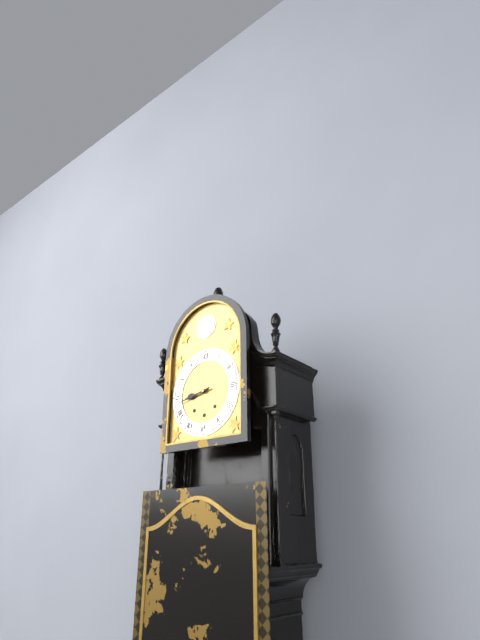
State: 8:43
